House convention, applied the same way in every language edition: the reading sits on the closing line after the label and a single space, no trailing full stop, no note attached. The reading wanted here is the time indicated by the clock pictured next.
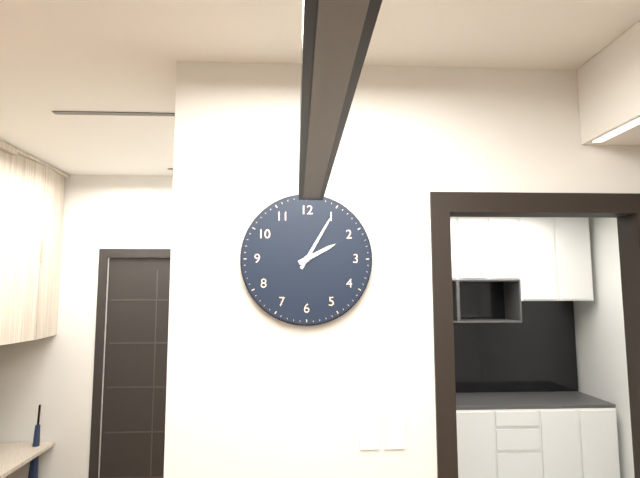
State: 2:05
